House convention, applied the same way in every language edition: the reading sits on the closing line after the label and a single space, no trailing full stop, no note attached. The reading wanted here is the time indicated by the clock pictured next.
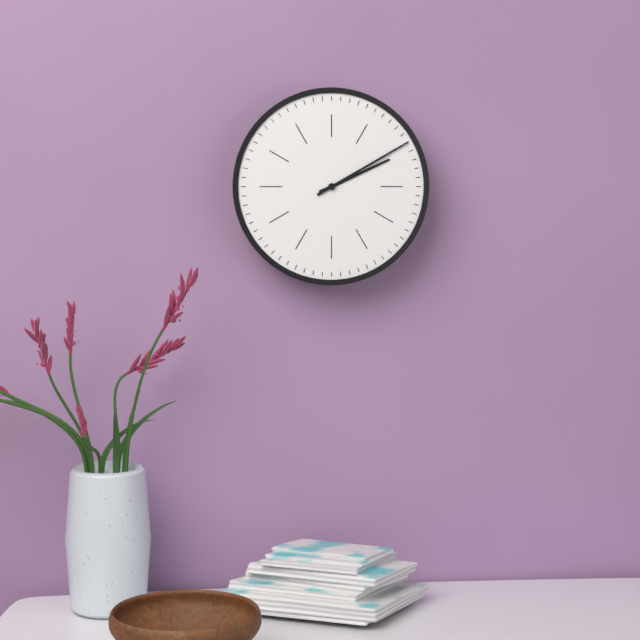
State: 2:10
